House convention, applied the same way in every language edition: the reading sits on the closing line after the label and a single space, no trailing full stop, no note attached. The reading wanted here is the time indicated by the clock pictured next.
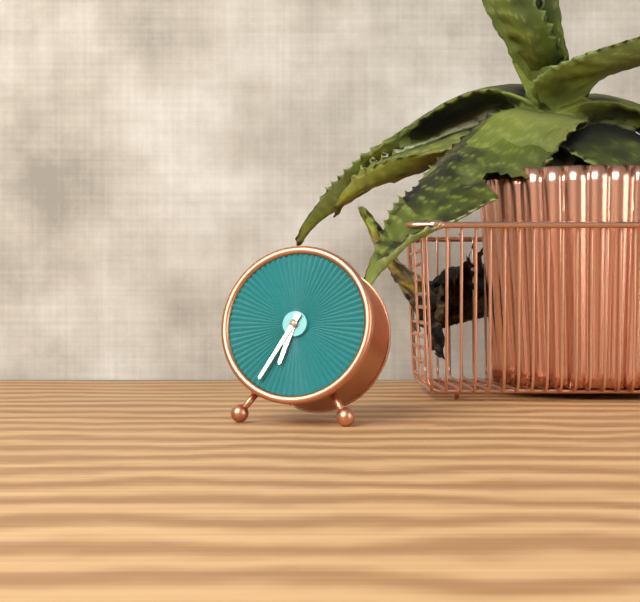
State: 6:35
